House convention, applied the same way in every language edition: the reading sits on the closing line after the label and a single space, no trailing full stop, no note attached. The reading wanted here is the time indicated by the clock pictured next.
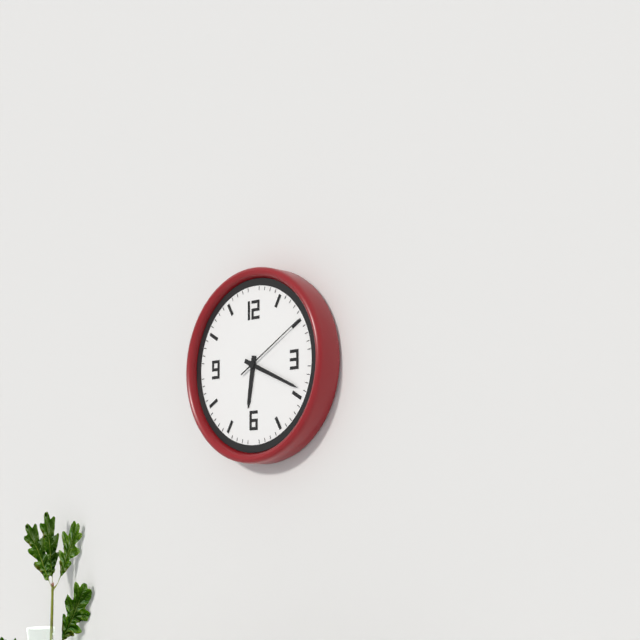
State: 6:19:10
